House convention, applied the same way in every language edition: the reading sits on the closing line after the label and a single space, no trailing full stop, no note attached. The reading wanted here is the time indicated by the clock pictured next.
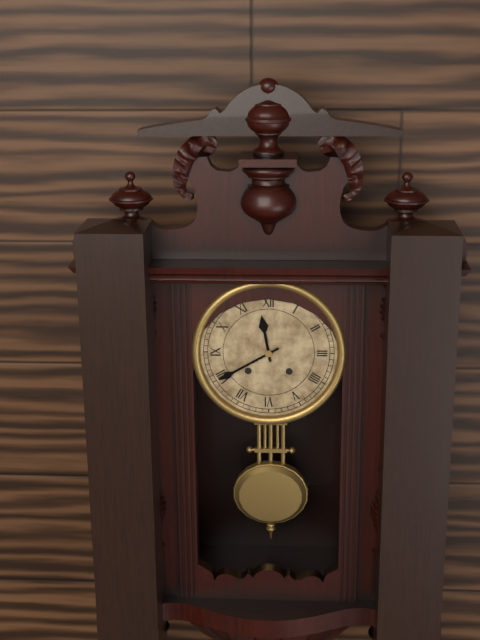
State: 11:40
